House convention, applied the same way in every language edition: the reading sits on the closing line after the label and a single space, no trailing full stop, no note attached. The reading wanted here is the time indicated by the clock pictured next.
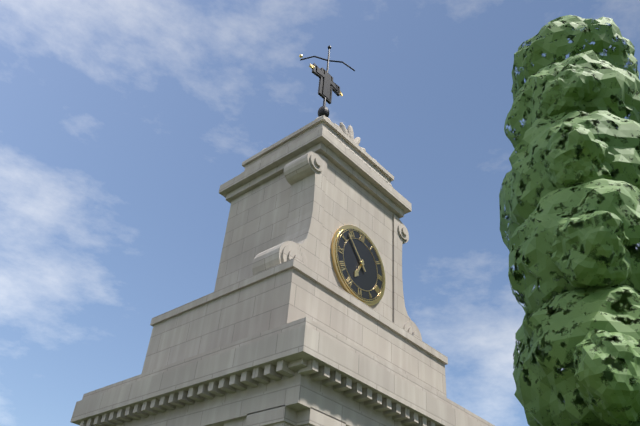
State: 6:53
